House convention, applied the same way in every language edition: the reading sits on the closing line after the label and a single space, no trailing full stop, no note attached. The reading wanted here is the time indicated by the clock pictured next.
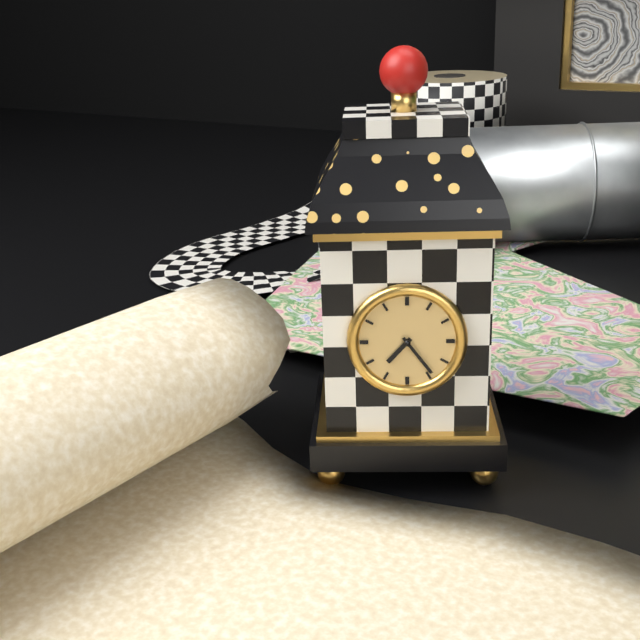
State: 7:24
